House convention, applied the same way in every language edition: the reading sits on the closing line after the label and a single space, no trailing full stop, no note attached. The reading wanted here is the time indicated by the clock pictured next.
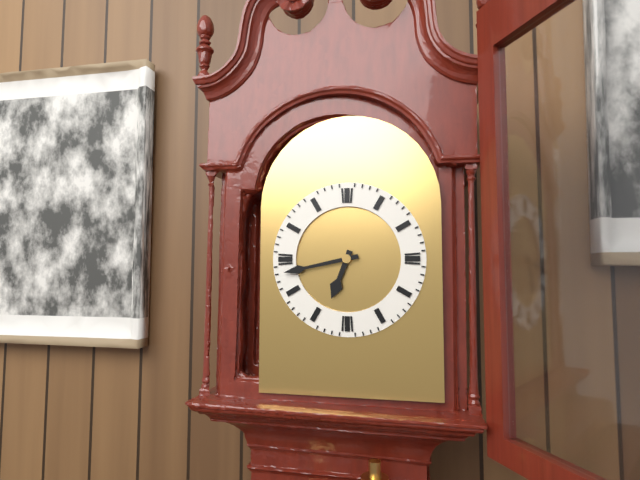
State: 6:43
